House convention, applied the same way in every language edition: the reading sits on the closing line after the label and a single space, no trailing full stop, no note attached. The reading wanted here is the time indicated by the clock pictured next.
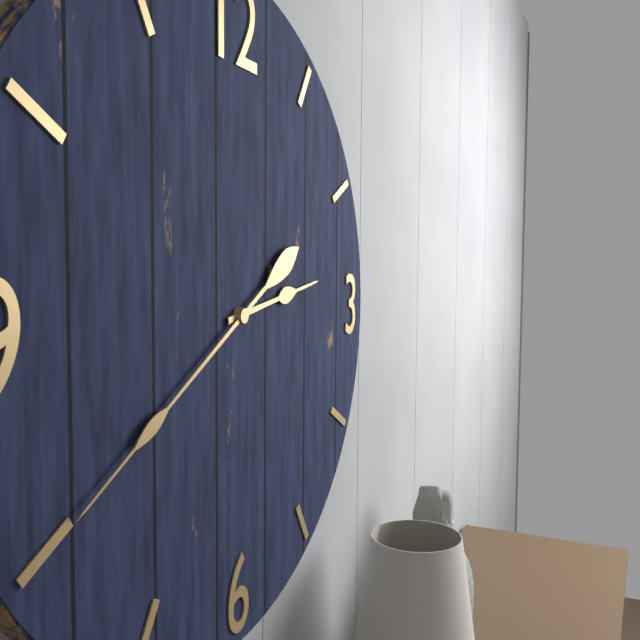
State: 2:40
